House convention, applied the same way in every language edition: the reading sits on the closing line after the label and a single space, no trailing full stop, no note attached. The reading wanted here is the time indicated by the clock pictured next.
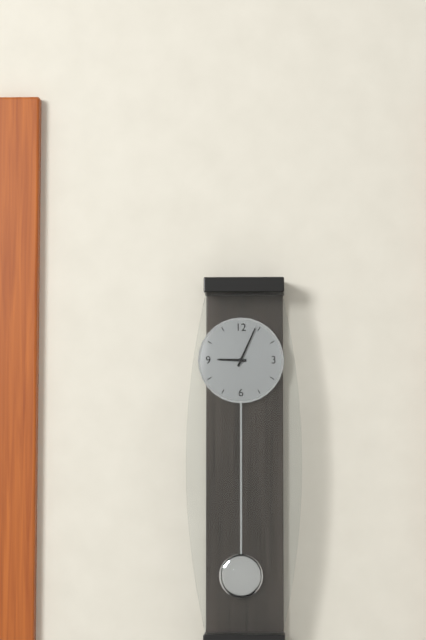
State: 9:04
